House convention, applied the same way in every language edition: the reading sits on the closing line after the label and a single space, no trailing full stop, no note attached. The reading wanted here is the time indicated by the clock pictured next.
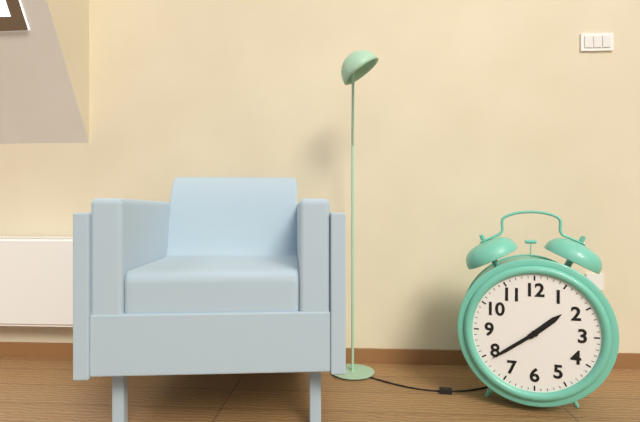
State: 1:39
